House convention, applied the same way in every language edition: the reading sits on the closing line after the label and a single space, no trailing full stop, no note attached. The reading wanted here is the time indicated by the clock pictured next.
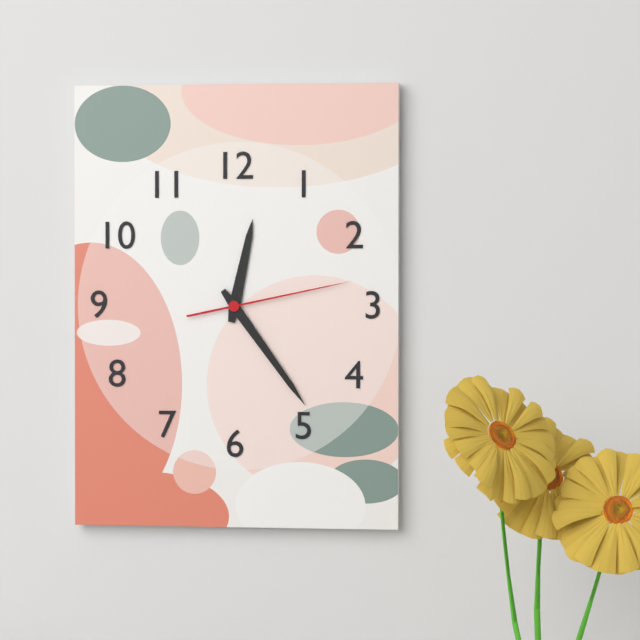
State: 12:24:13
